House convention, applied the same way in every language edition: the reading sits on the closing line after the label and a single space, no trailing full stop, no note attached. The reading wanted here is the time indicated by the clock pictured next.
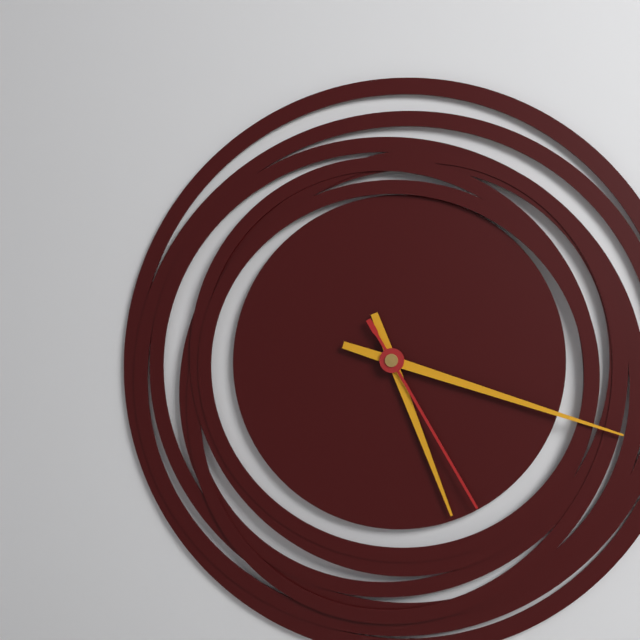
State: 5:18:25
